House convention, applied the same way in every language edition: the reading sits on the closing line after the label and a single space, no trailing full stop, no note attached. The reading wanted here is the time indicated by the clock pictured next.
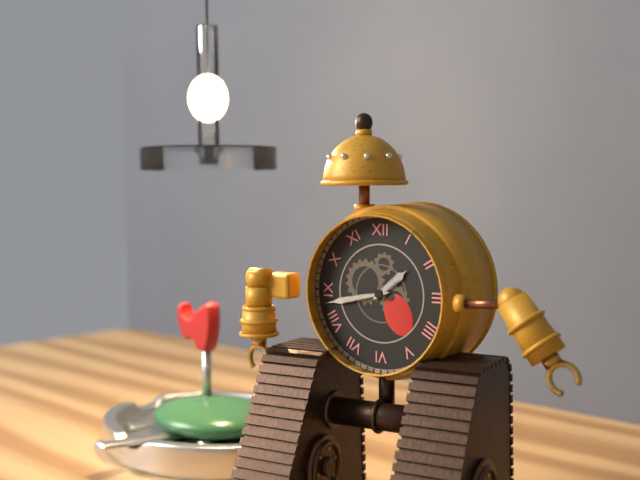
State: 1:43
